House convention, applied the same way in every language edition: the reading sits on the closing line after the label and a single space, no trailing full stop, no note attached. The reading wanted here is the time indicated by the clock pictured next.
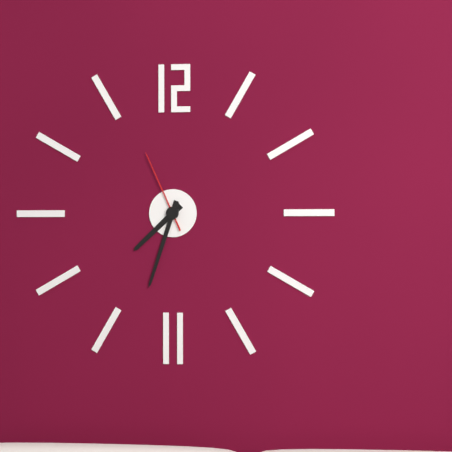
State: 7:33:56
